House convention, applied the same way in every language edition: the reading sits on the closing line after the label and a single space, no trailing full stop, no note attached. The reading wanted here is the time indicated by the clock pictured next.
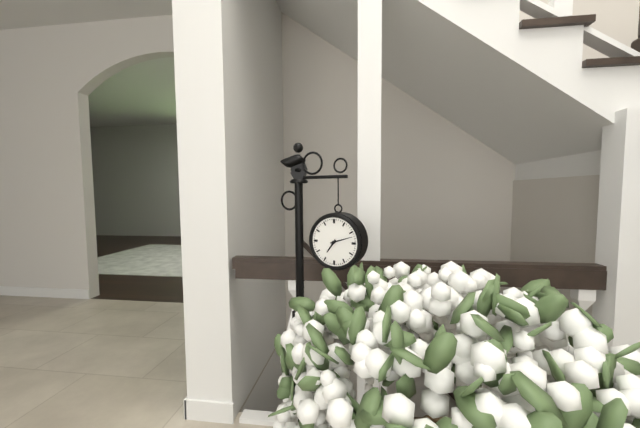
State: 7:12
